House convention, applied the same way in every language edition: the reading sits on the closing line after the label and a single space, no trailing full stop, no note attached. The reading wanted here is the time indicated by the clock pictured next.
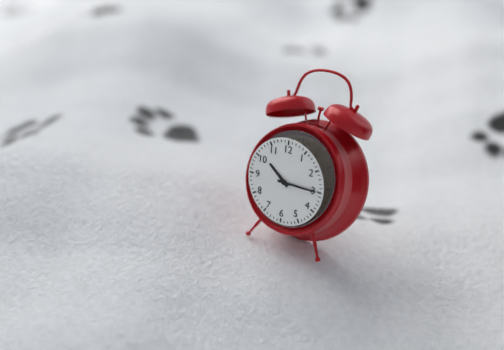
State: 10:15
